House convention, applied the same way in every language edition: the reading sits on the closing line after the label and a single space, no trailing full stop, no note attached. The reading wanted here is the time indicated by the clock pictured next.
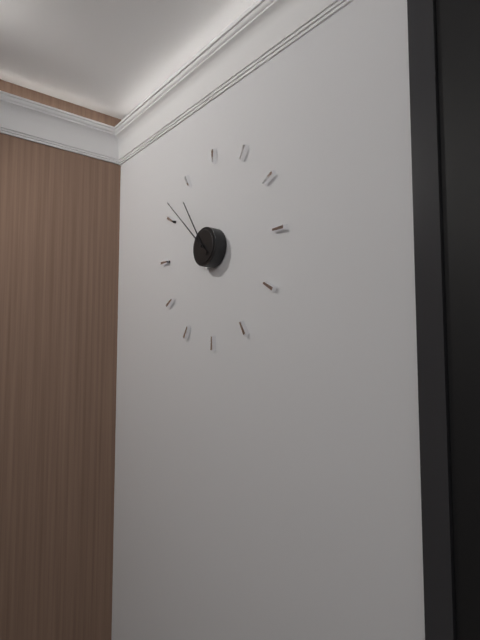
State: 10:52
